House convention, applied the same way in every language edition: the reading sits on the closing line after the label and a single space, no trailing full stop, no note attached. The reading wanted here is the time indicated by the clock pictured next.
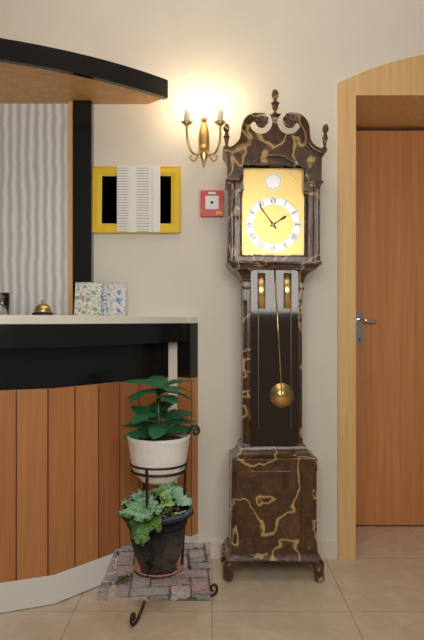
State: 1:54
